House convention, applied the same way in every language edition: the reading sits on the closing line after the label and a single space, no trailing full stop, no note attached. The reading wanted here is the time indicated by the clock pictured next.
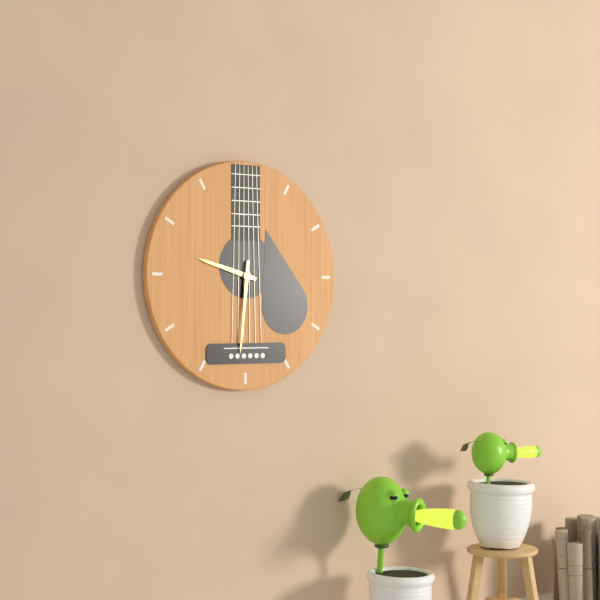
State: 9:31
